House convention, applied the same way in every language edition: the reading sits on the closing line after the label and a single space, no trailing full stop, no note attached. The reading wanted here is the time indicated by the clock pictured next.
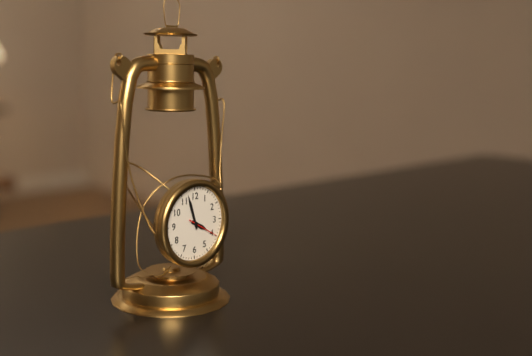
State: 3:57
